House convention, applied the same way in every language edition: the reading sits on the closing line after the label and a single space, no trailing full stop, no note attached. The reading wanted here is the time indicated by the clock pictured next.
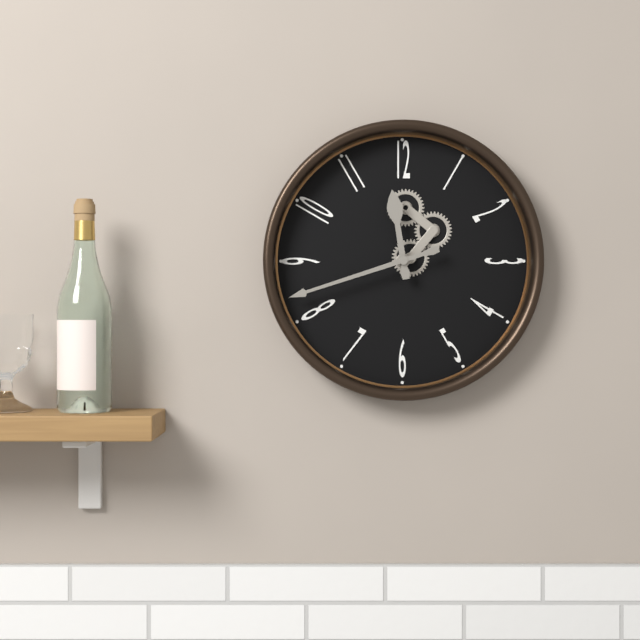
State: 11:42
